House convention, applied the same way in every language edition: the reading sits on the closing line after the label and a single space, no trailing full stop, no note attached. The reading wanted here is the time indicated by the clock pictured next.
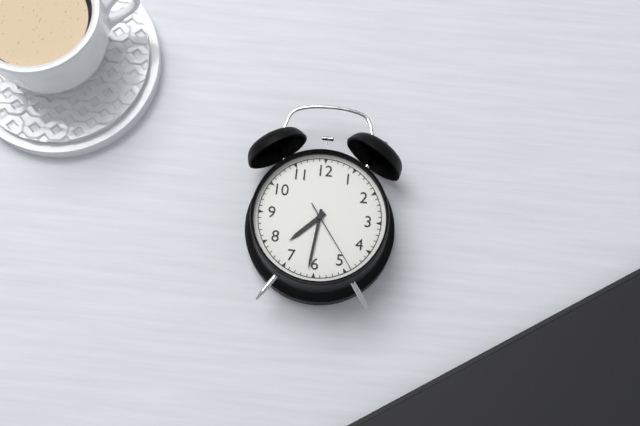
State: 7:31:24
